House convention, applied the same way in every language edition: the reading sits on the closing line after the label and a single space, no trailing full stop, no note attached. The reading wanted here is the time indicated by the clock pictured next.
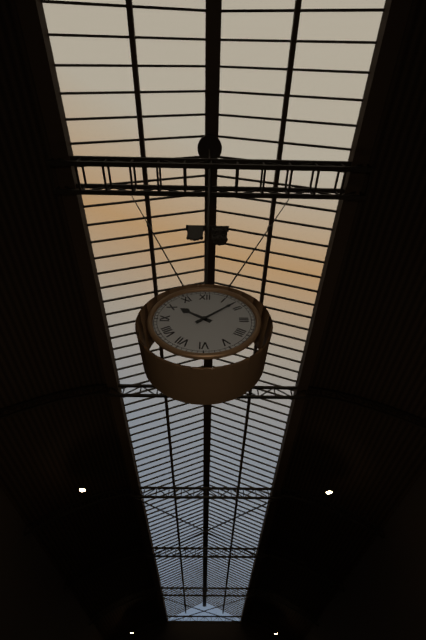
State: 10:08
